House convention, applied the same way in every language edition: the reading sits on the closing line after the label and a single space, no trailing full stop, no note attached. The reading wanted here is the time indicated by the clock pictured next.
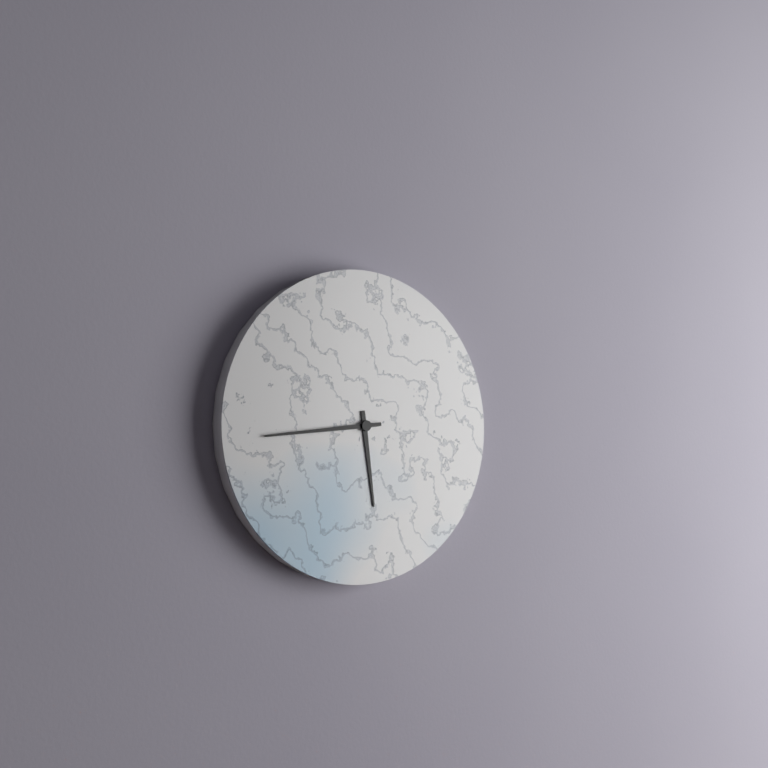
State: 5:44
